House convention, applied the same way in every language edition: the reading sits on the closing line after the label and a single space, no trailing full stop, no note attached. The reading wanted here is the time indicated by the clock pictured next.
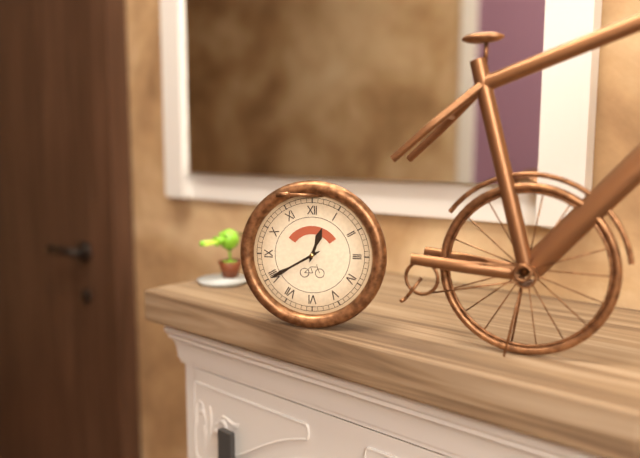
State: 12:40
